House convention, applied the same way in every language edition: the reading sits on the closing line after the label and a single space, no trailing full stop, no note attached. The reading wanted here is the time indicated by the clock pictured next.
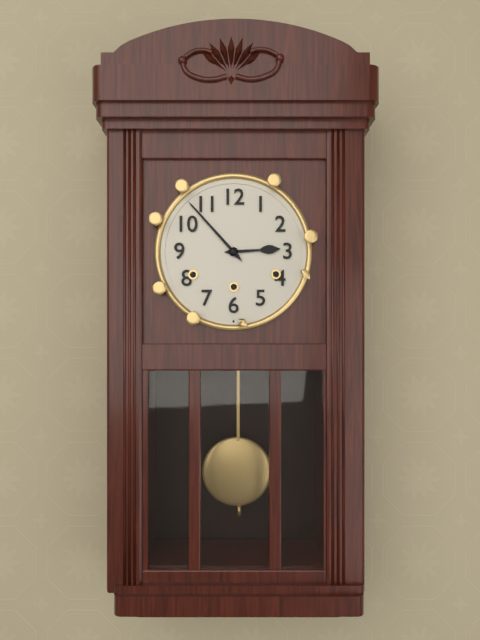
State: 2:53
